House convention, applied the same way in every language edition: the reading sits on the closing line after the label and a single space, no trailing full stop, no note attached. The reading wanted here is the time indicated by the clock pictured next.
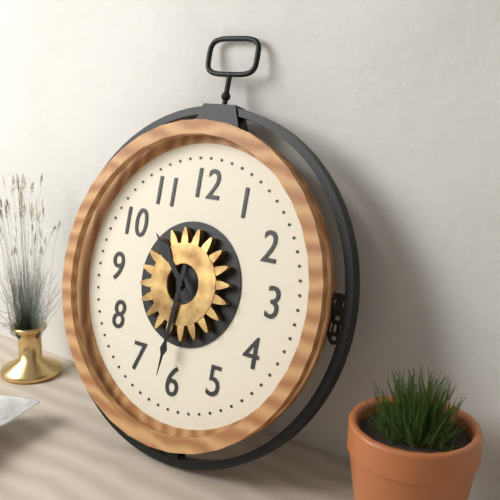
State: 10:31
